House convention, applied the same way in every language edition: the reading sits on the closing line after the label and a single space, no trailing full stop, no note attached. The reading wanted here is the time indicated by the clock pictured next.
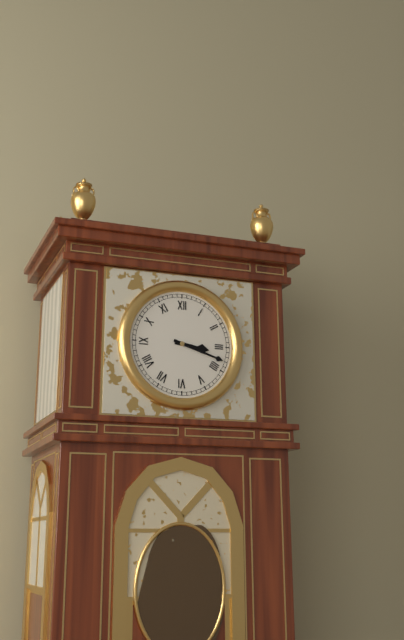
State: 3:18
